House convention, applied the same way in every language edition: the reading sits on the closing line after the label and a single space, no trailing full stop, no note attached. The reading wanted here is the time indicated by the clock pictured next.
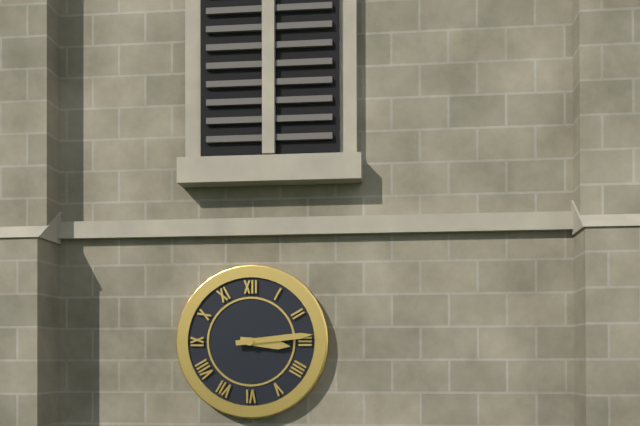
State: 3:14
